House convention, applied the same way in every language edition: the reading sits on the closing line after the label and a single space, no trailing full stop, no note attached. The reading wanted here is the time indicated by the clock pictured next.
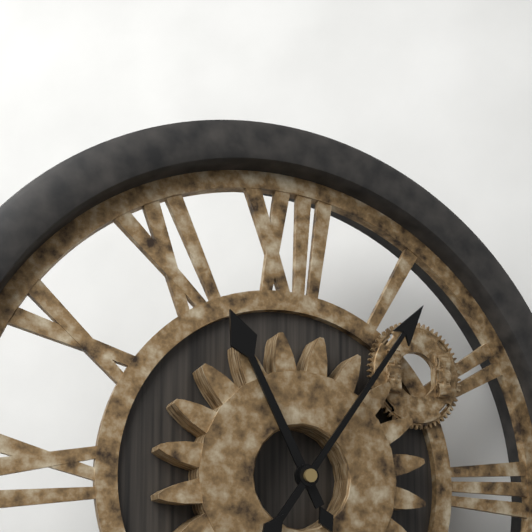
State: 11:06
